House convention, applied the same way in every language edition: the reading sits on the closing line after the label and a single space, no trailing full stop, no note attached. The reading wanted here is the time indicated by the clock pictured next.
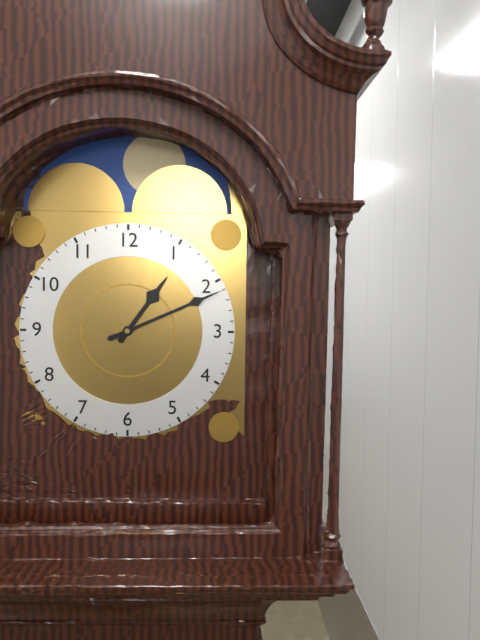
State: 1:11
